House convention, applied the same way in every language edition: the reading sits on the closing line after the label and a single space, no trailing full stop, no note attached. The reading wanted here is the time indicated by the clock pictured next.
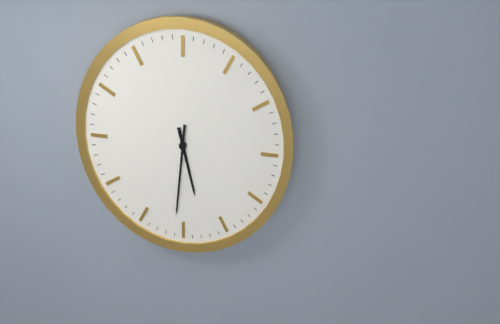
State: 5:31
